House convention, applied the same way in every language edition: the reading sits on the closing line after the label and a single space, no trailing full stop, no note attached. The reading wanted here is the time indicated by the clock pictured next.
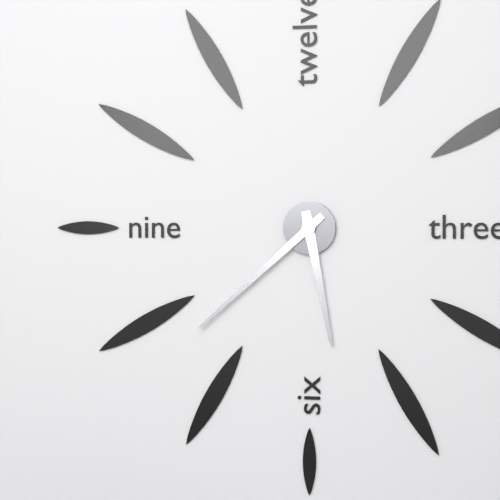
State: 5:38
